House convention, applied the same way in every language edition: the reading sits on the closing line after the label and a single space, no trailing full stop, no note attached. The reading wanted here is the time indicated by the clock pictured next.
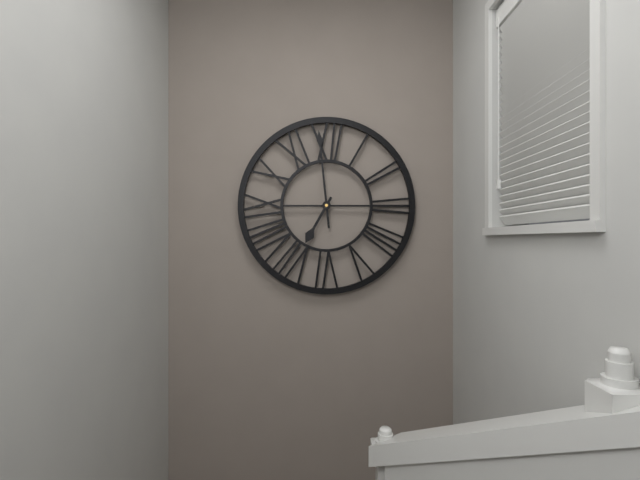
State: 6:59
